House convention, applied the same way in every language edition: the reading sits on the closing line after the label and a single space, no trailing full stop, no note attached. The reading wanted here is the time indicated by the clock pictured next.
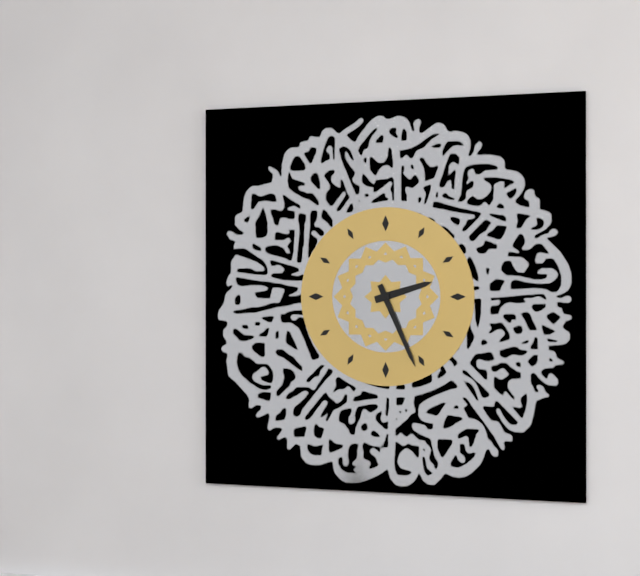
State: 2:26
